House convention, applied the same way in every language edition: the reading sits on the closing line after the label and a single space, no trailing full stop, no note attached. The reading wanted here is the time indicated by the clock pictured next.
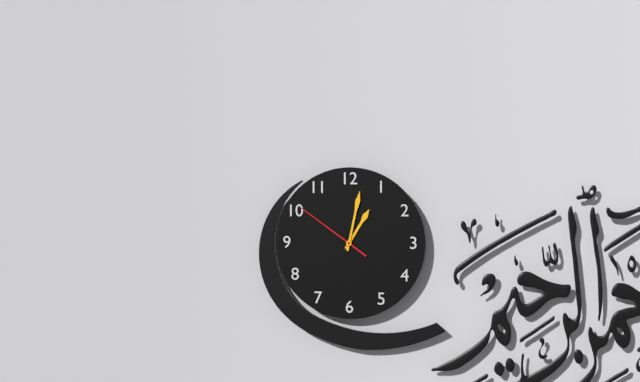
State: 1:02:51
